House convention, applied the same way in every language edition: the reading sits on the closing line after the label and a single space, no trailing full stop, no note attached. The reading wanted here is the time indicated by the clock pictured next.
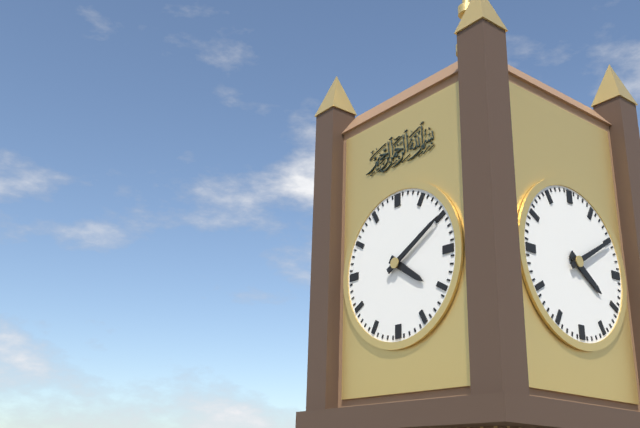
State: 4:10
